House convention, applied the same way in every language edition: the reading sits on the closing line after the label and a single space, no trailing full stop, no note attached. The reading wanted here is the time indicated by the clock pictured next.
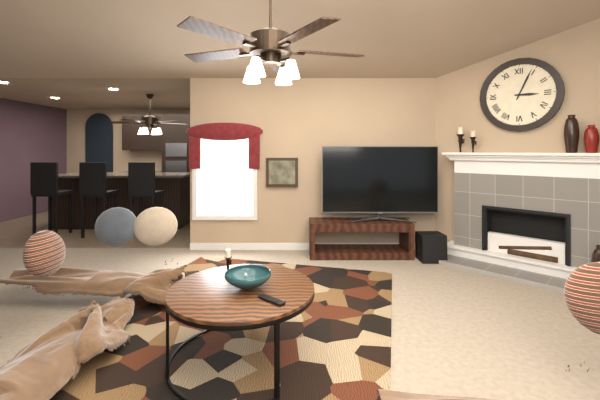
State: 3:04
